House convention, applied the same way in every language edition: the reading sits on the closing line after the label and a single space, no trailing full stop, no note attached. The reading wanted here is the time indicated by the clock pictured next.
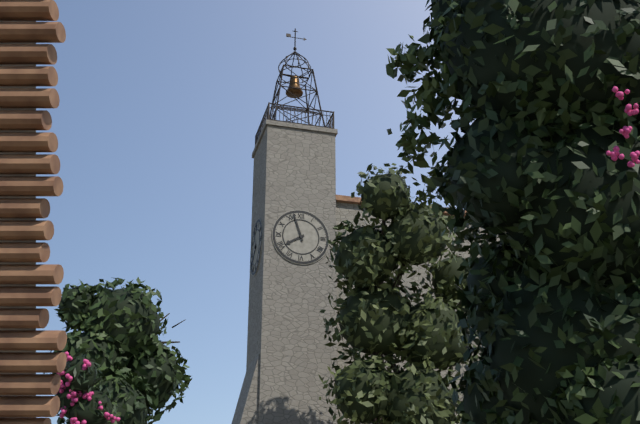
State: 7:57
